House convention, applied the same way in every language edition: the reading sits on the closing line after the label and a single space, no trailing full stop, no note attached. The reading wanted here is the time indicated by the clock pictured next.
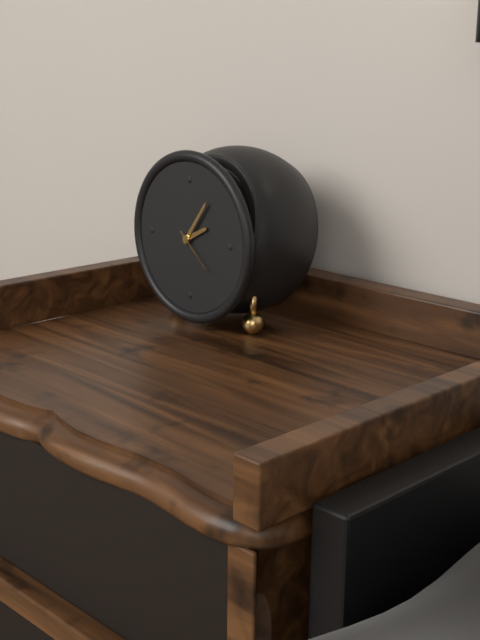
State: 2:06:22
